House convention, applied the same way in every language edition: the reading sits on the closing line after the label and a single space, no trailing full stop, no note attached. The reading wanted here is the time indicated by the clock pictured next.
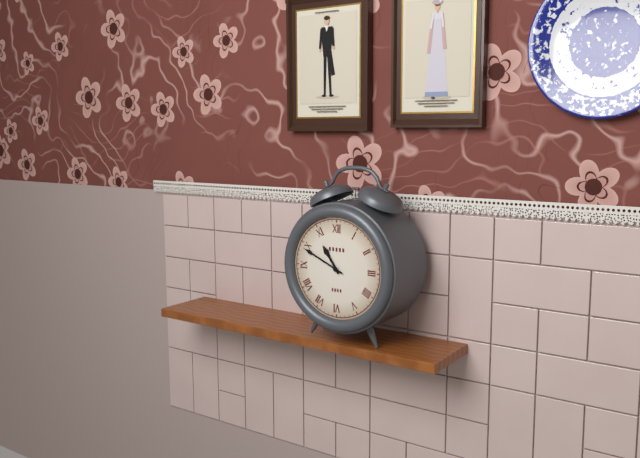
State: 10:49
